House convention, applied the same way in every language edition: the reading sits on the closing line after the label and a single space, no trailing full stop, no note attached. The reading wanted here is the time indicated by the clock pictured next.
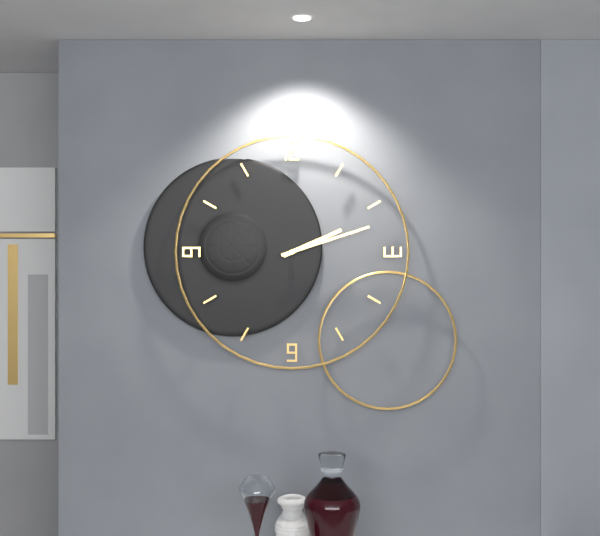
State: 2:12
